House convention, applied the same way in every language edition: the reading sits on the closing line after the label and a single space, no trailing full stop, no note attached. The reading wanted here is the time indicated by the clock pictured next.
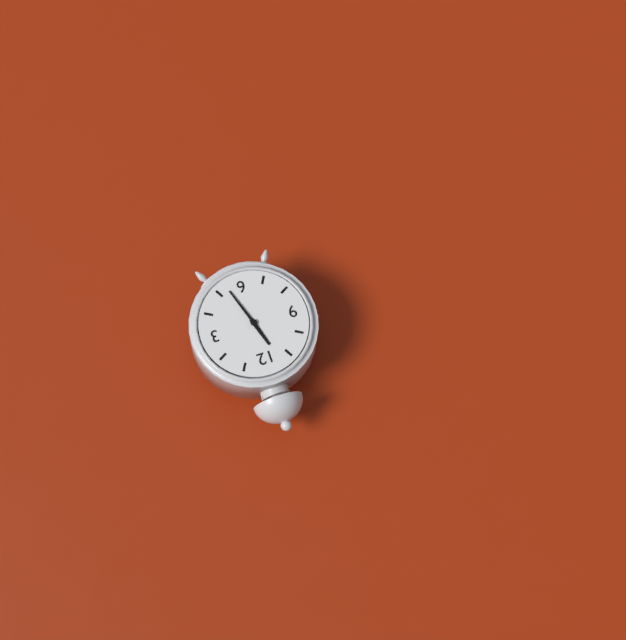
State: 11:27
